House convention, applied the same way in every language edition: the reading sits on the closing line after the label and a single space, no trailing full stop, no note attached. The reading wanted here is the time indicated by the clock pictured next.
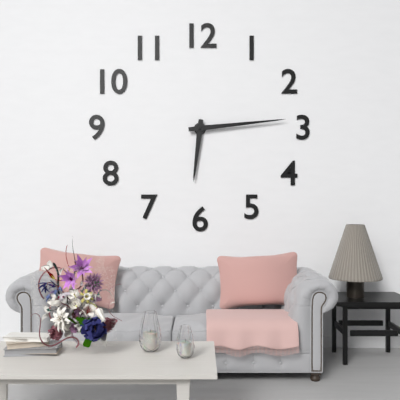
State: 6:14
